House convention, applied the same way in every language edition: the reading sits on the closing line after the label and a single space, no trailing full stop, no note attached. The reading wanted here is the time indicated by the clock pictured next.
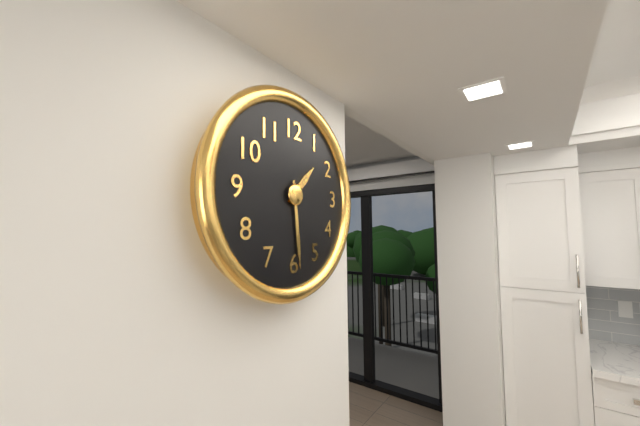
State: 1:29
